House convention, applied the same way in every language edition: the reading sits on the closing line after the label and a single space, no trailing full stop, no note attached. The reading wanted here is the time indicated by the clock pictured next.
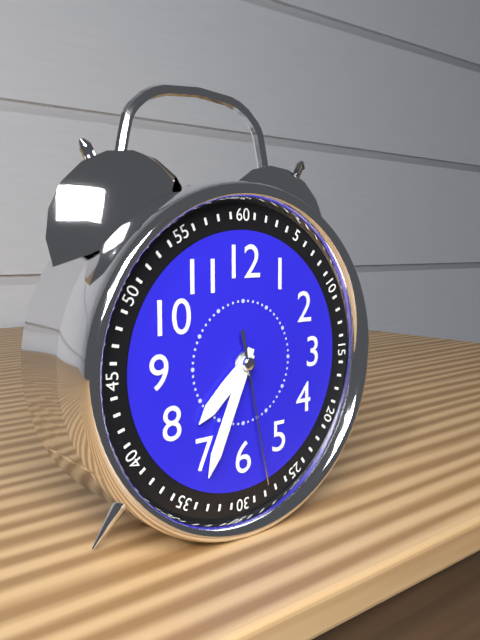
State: 7:34:28
